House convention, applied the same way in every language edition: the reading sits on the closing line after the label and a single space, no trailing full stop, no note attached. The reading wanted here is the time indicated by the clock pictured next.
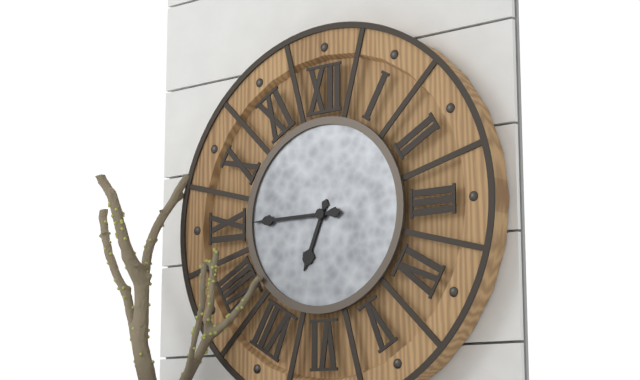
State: 6:45
